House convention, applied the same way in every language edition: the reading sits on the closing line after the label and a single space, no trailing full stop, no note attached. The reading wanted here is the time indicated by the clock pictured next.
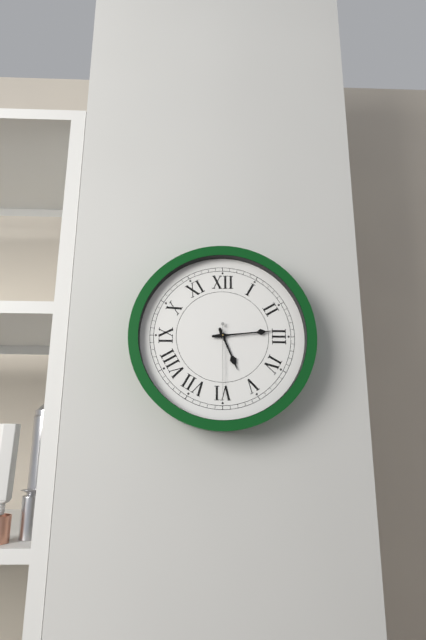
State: 5:14:30
